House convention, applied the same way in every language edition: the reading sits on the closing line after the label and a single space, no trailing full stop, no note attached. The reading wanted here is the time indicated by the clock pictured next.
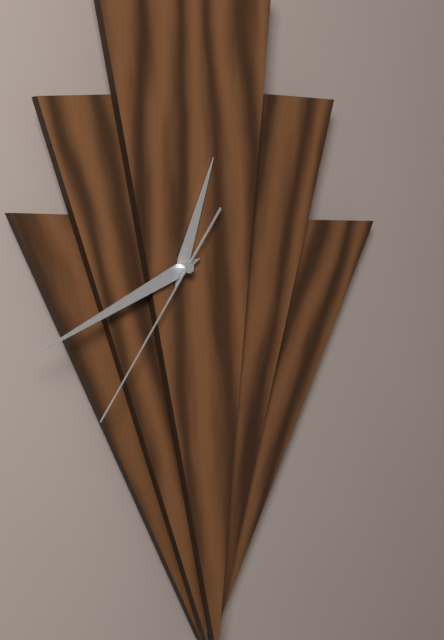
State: 12:41:36
